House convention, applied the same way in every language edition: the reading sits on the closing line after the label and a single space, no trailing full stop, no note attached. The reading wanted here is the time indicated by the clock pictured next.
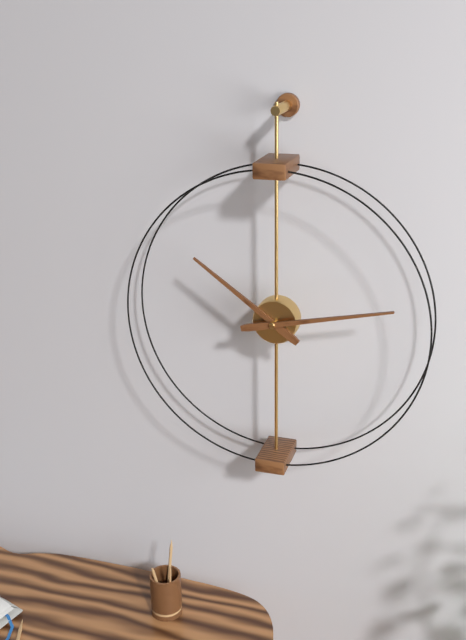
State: 10:13
